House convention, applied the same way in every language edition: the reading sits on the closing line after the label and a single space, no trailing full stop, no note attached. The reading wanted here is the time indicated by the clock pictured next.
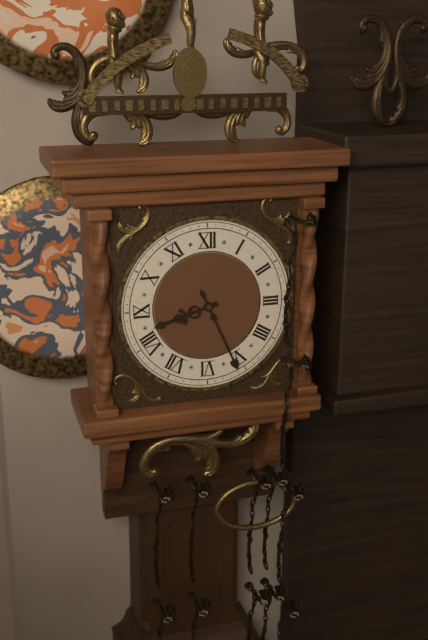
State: 8:26
